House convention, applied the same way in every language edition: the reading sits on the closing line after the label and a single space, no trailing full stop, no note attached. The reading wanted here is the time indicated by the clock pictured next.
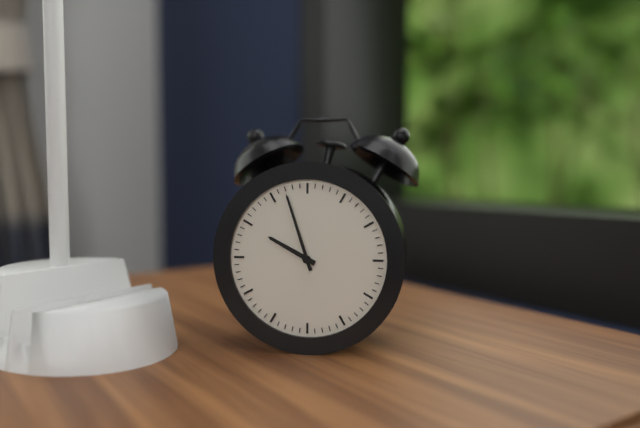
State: 9:57
